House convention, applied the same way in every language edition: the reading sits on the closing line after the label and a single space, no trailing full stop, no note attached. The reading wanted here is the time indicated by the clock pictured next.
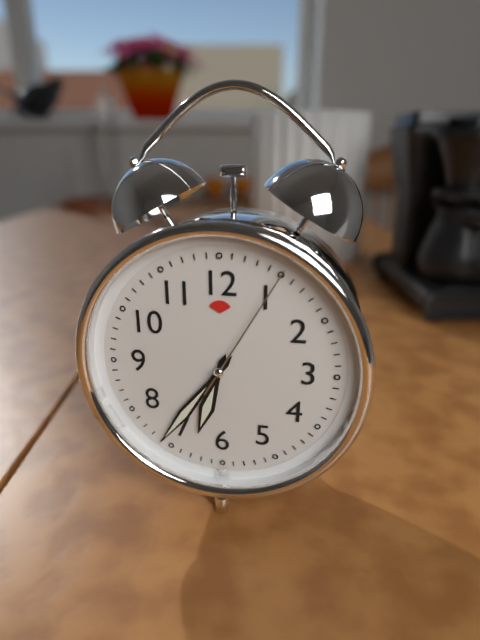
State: 6:36:05
